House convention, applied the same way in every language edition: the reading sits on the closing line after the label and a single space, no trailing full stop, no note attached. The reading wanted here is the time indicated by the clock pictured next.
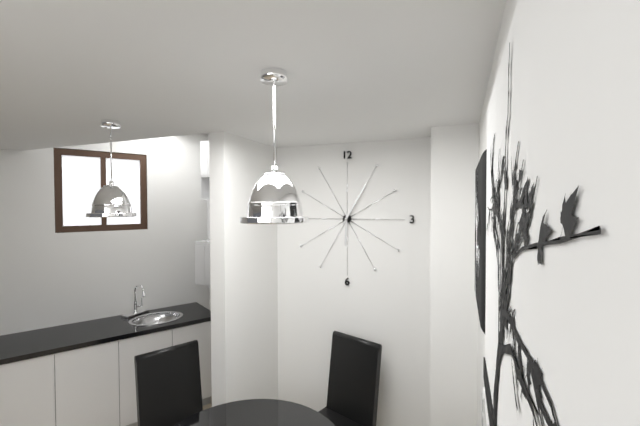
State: 6:05
